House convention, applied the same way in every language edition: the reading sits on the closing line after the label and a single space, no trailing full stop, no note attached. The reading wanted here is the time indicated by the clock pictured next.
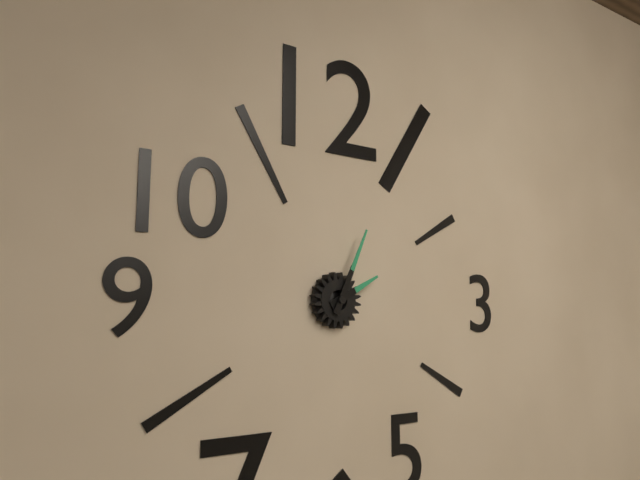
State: 2:04
